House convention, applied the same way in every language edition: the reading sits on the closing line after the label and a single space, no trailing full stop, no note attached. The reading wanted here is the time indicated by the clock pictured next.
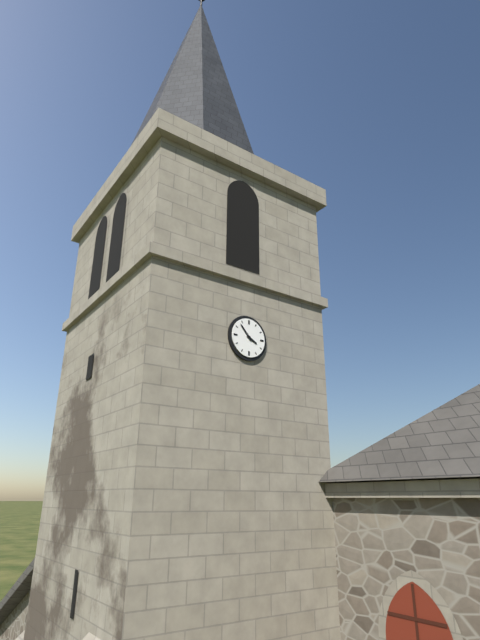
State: 3:53
